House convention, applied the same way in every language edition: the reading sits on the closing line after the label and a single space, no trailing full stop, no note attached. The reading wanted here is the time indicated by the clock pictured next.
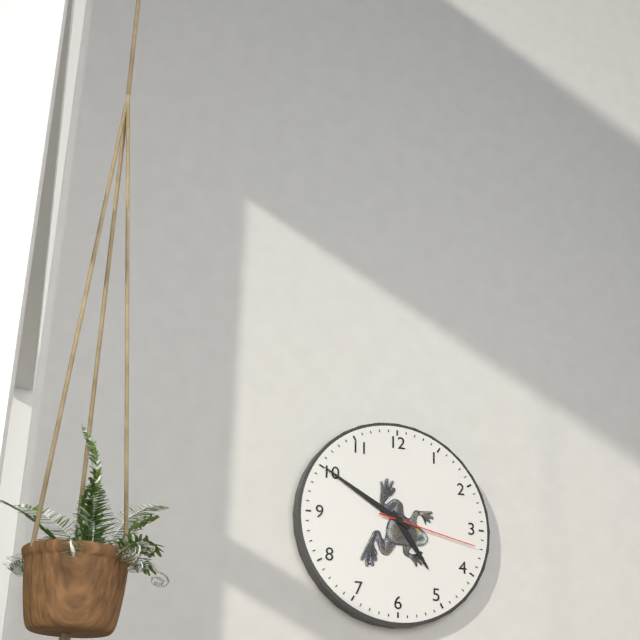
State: 4:50:17
